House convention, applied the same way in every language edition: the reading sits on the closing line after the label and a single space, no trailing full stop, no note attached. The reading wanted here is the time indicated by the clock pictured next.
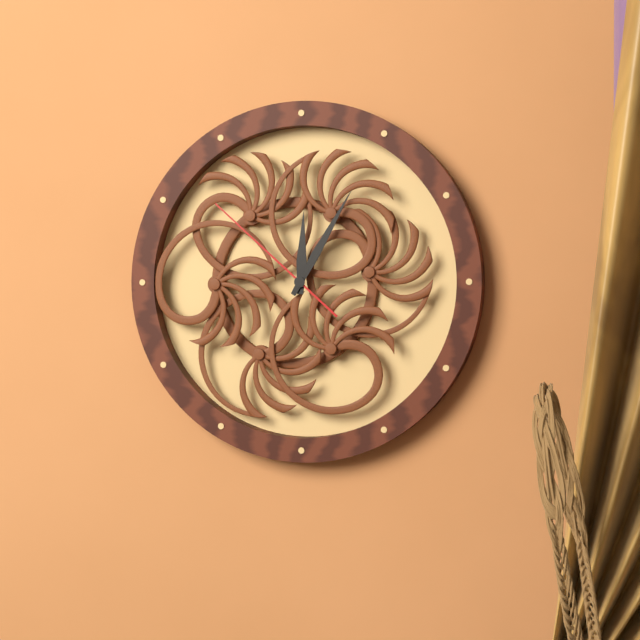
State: 12:05:52
